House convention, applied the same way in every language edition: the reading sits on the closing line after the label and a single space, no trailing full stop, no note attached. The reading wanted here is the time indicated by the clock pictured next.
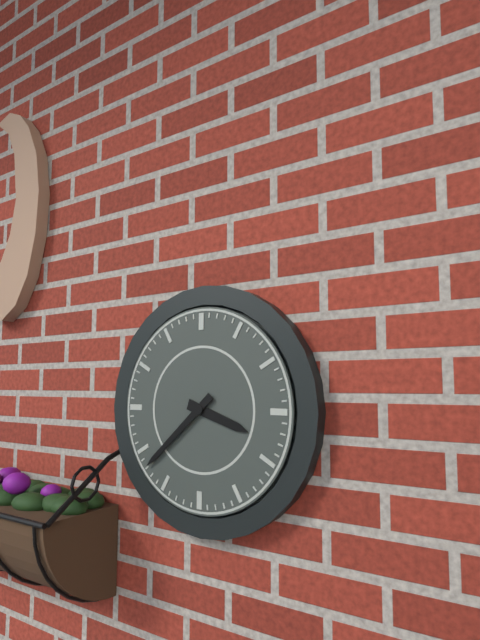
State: 3:38
